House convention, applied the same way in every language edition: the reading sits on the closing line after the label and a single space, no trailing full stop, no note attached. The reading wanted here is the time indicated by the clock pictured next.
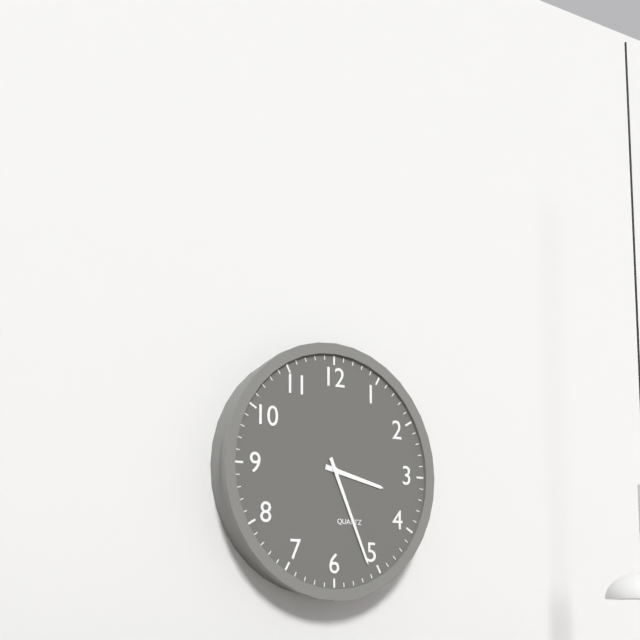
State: 3:26
